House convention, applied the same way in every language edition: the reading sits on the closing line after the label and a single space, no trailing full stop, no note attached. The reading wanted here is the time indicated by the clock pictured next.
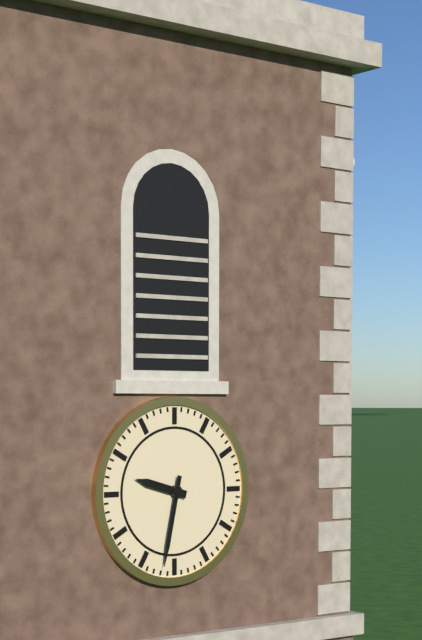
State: 9:32
